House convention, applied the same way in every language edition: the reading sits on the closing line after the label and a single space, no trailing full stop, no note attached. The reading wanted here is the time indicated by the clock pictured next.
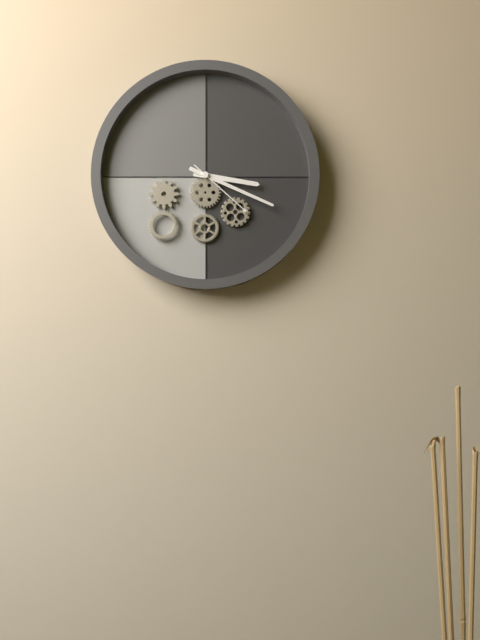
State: 3:19:22
